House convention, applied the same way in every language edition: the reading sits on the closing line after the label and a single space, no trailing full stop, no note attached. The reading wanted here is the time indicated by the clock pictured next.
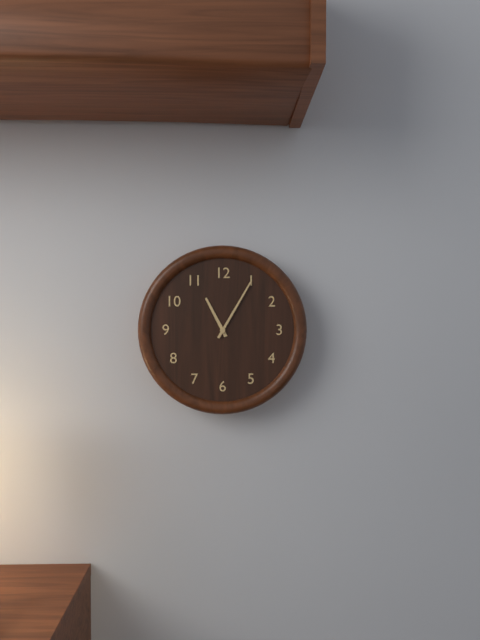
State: 11:05
